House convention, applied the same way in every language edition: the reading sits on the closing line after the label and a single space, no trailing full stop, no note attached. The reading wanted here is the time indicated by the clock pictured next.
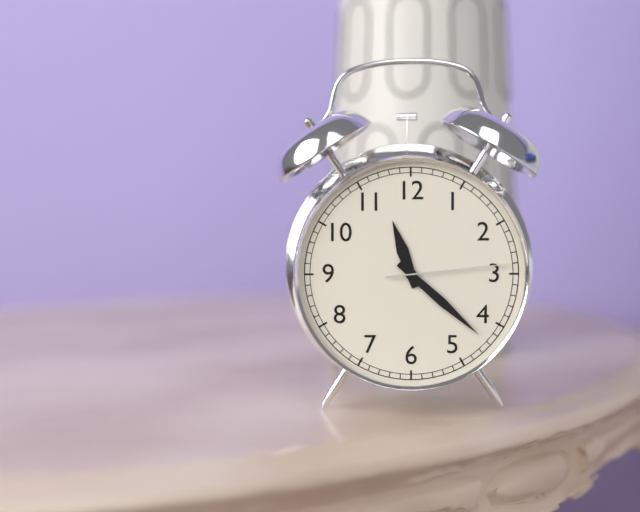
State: 11:22:14
